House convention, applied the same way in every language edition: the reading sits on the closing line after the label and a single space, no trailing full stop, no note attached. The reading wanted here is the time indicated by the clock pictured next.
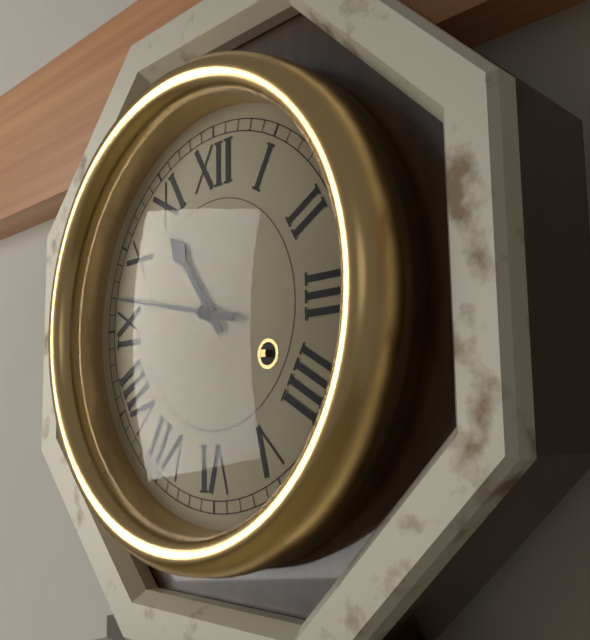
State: 10:47
